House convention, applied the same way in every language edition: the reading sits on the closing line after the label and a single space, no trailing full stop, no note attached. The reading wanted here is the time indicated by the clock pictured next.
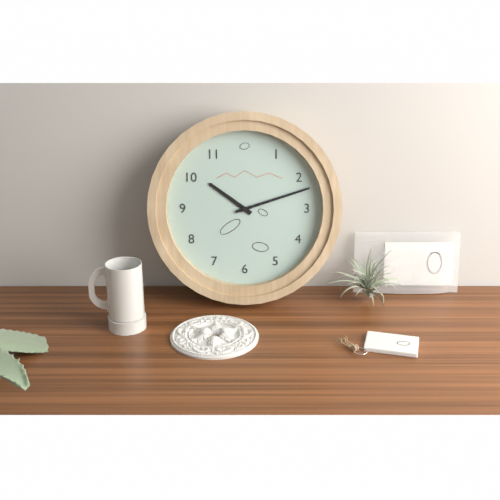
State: 10:12
